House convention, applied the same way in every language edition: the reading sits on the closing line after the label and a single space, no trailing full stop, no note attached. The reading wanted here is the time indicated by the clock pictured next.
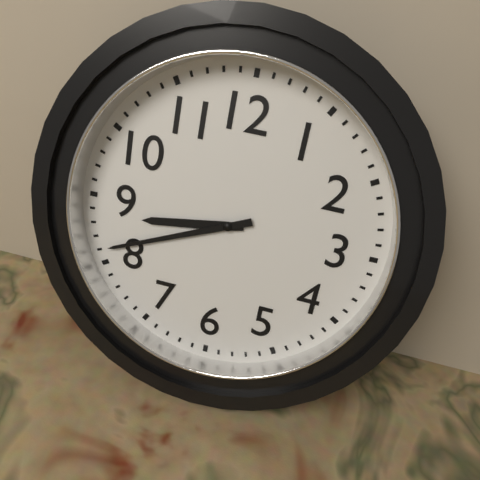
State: 8:41
